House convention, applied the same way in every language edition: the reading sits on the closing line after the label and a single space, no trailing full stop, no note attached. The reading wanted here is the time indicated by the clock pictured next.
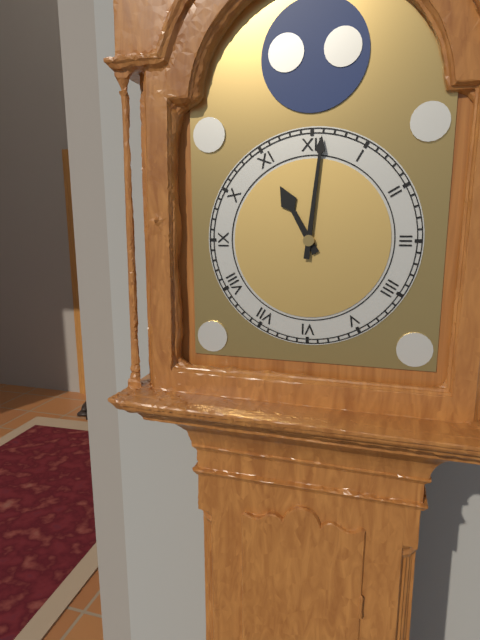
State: 11:01
